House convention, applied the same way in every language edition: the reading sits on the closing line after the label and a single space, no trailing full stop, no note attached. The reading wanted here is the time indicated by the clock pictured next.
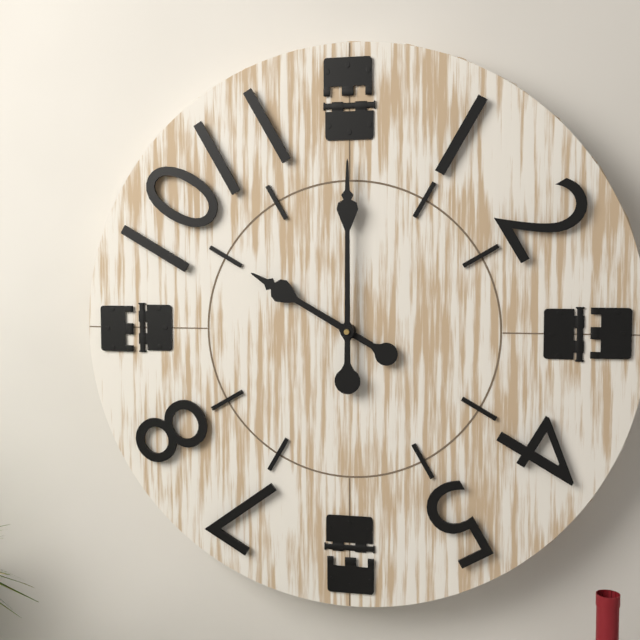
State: 10:00
